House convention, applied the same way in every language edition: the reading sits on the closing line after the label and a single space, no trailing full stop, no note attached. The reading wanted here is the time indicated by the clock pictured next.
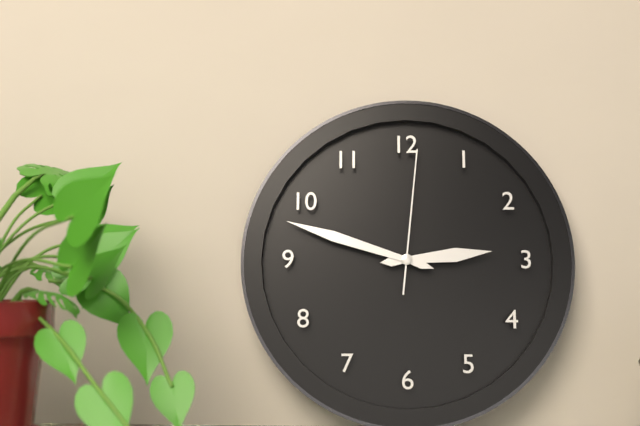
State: 2:48:01
